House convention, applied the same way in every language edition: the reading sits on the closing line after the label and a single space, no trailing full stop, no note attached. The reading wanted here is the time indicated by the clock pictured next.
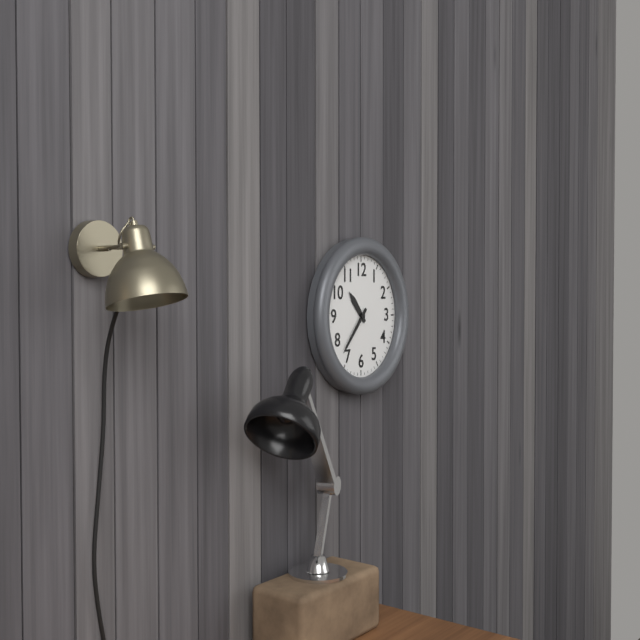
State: 10:37
